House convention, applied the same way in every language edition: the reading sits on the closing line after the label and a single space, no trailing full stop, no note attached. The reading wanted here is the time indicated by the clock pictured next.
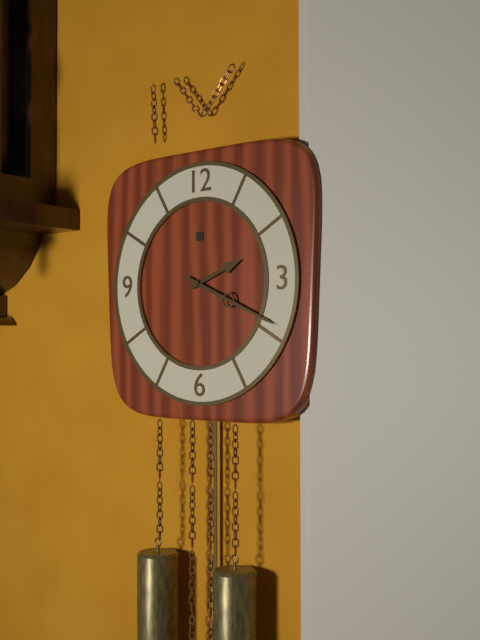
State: 2:19
